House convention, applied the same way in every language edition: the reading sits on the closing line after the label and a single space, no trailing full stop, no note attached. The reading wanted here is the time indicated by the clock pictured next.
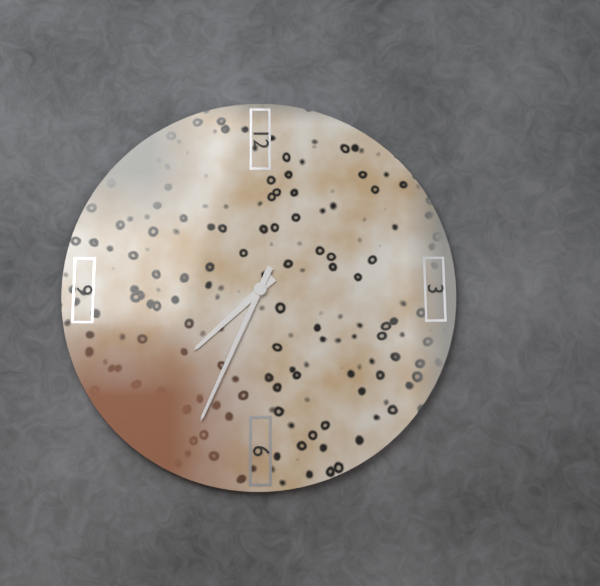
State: 7:34
